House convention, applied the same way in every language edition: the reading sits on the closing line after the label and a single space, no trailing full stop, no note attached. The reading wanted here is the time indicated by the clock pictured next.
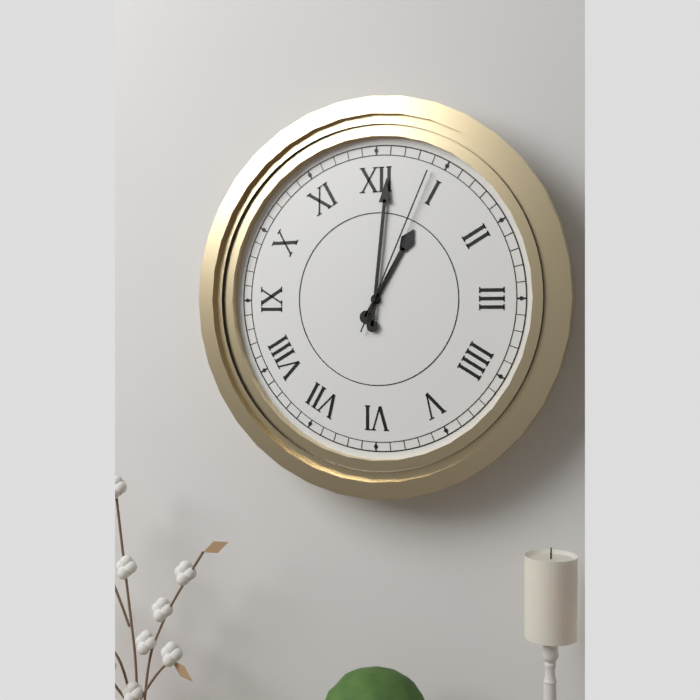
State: 1:01:04
